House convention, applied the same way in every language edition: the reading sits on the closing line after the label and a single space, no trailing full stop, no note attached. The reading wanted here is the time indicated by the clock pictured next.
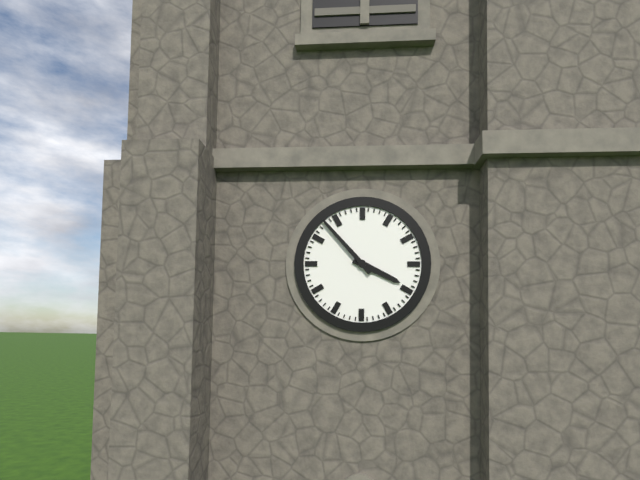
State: 3:53
